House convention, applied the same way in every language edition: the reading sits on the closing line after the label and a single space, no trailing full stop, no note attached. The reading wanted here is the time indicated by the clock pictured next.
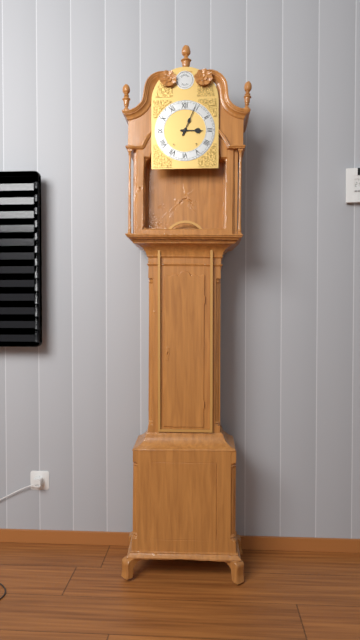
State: 3:04
